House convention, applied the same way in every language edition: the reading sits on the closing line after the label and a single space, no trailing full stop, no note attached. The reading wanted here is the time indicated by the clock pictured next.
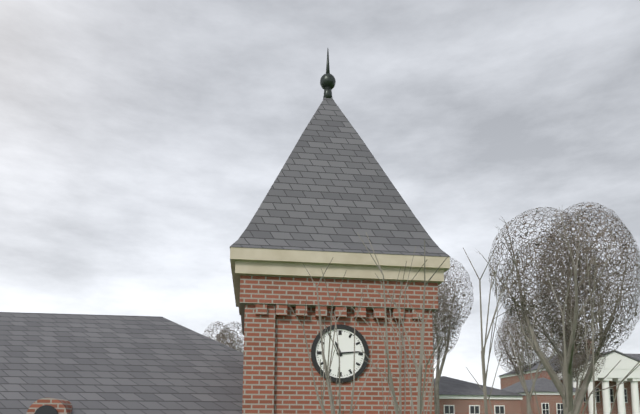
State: 11:14
